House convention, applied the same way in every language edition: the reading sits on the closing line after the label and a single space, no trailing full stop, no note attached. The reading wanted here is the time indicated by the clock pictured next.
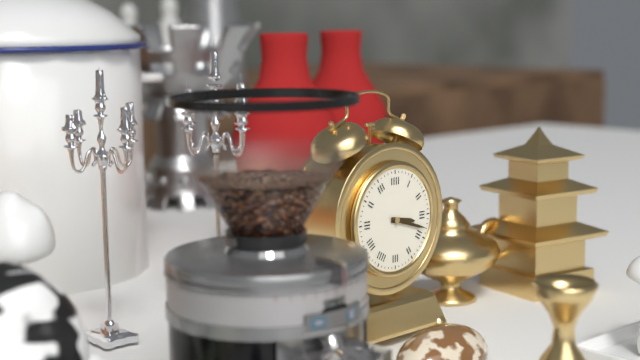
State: 3:18
